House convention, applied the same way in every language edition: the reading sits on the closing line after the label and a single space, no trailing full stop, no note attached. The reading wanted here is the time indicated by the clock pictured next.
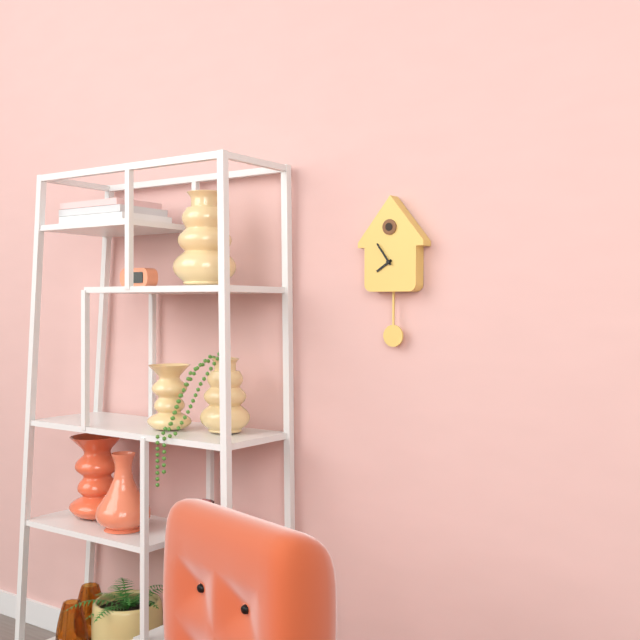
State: 7:54
